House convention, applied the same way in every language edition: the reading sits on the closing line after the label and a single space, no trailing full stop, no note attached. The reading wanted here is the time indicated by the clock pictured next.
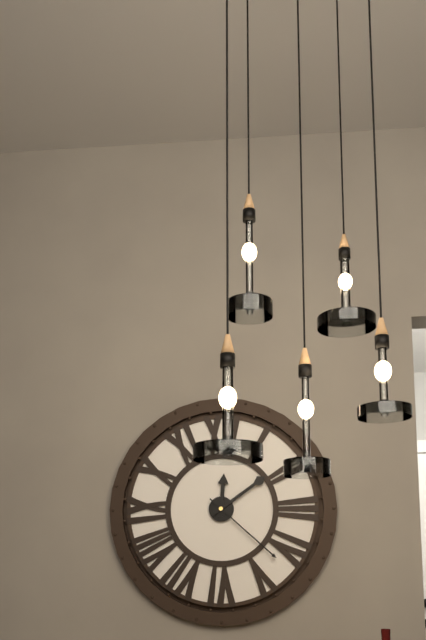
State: 12:09:22
